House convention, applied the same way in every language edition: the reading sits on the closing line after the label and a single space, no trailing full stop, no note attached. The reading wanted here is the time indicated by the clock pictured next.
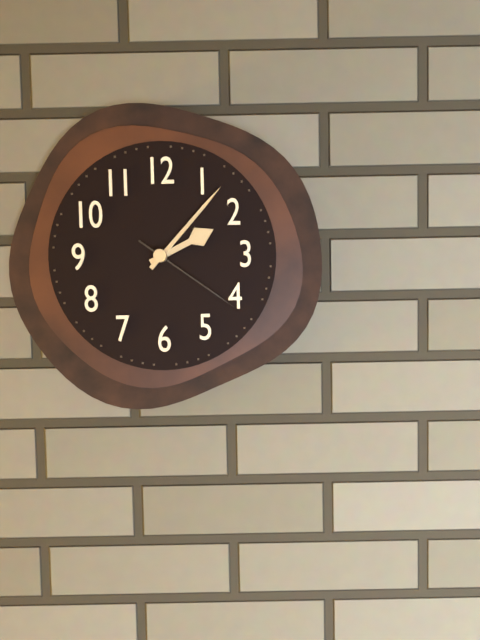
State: 2:07:21
